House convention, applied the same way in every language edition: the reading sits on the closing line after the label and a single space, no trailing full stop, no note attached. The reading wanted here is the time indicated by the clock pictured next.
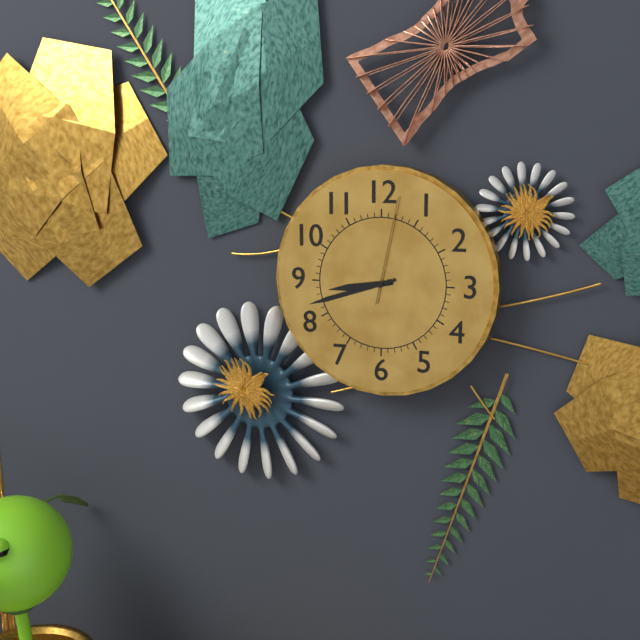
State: 8:42:02
